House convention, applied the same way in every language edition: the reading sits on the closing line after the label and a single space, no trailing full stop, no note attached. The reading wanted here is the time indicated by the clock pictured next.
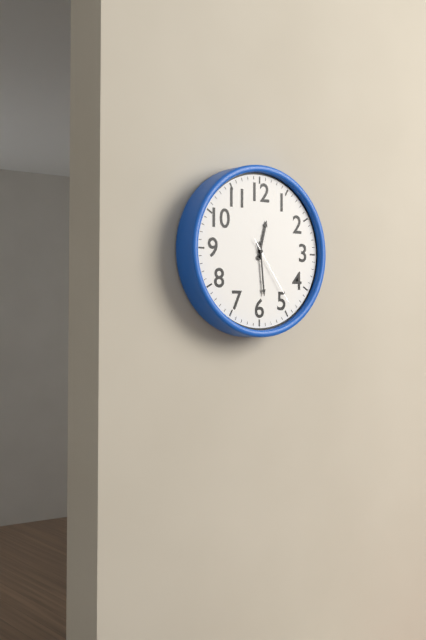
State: 12:29:24
